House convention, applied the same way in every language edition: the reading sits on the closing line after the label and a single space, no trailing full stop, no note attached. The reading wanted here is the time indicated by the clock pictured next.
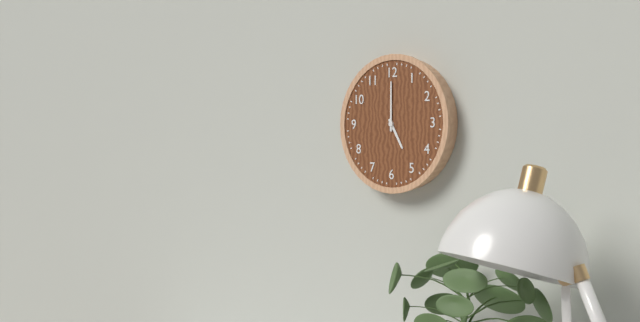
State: 5:00
